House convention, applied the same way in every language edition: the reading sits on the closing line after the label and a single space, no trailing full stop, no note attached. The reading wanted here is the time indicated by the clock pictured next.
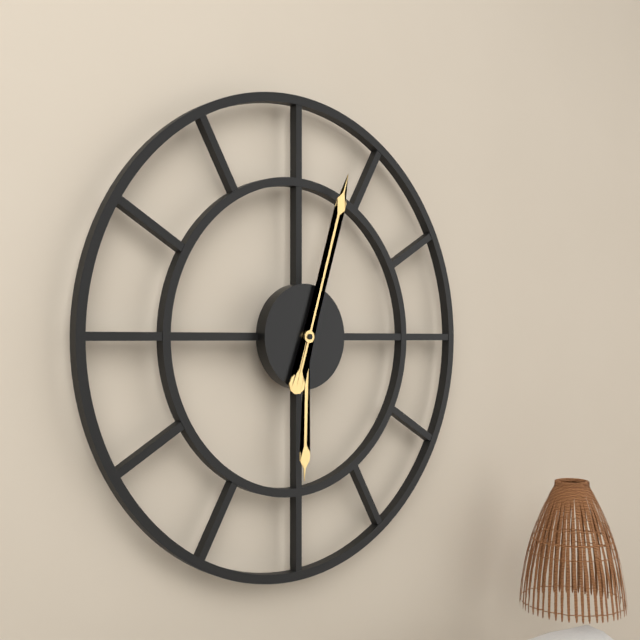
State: 6:03
